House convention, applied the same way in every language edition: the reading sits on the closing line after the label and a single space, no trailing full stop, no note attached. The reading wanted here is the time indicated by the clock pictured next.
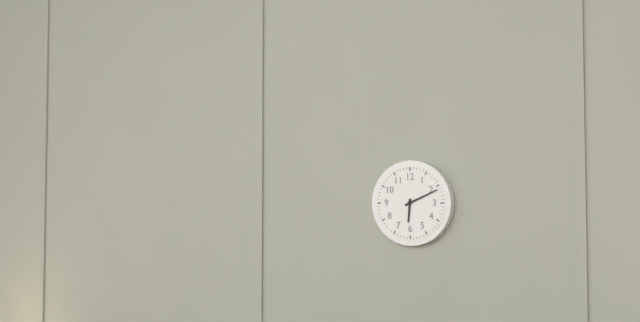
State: 6:11
